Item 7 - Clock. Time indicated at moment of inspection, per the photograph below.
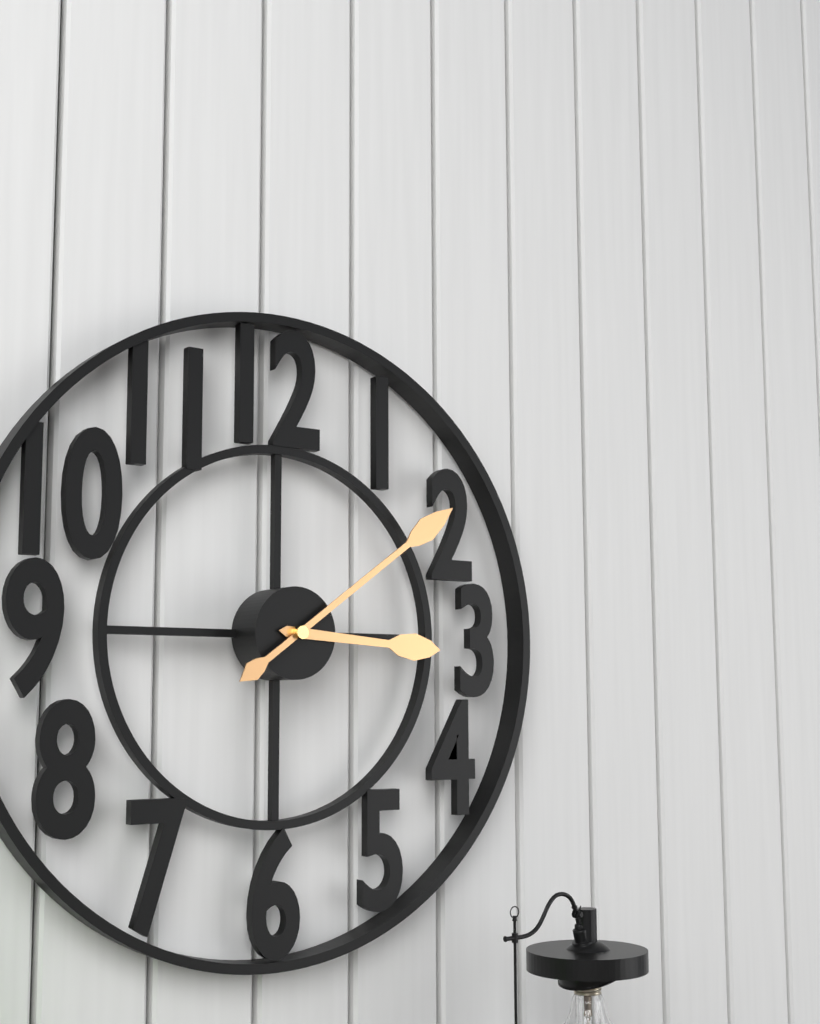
3:09
